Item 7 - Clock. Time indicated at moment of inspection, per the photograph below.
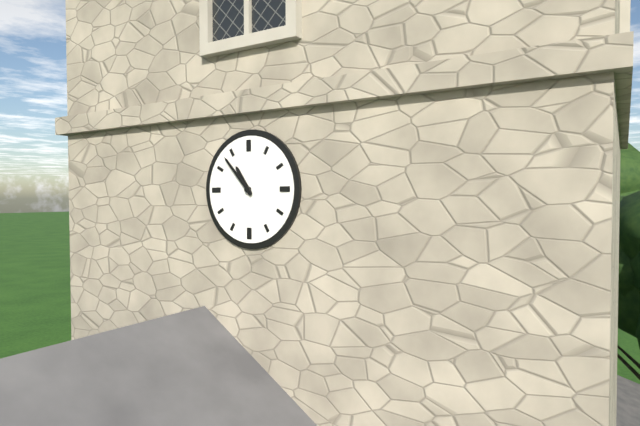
10:53
